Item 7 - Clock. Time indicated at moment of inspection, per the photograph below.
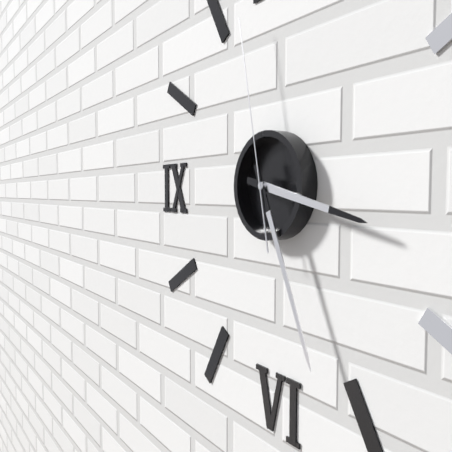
3:26:58
